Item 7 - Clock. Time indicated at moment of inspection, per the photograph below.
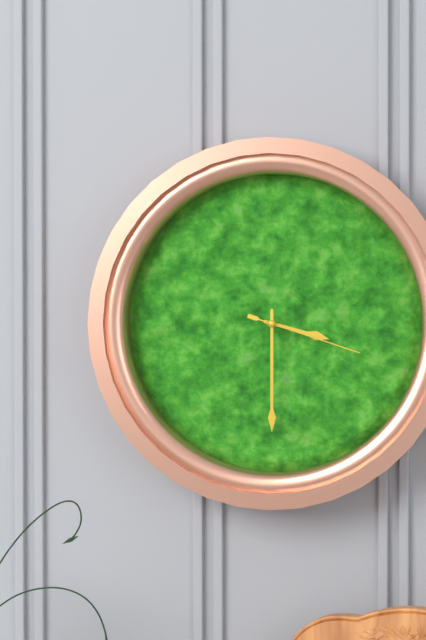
3:30:18
